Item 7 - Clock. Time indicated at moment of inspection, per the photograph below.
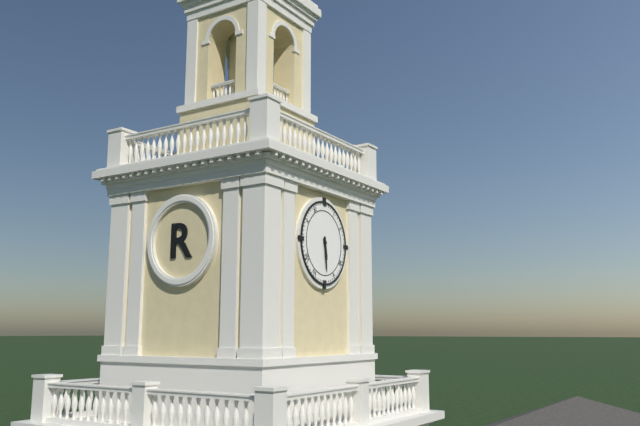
5:29
